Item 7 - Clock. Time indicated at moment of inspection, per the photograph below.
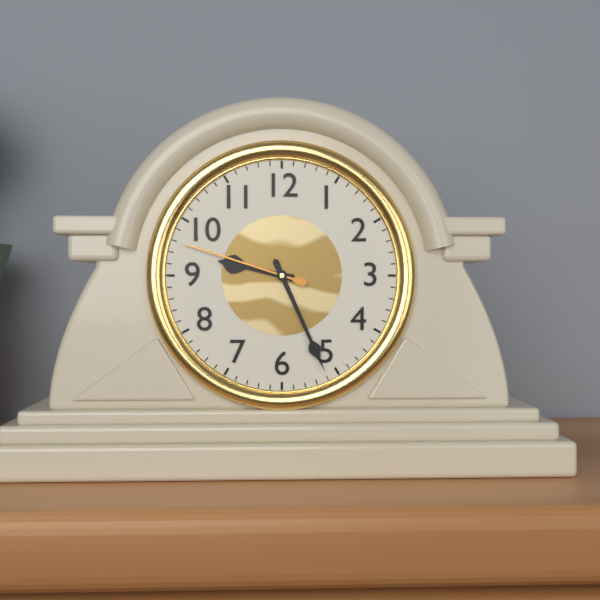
9:26:48
